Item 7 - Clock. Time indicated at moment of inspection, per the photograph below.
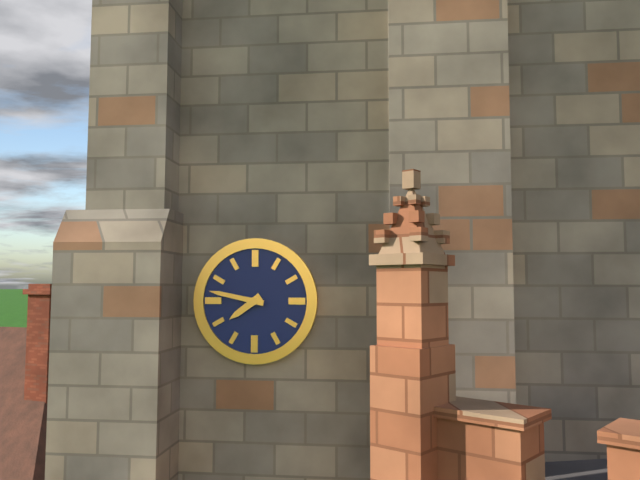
7:47
